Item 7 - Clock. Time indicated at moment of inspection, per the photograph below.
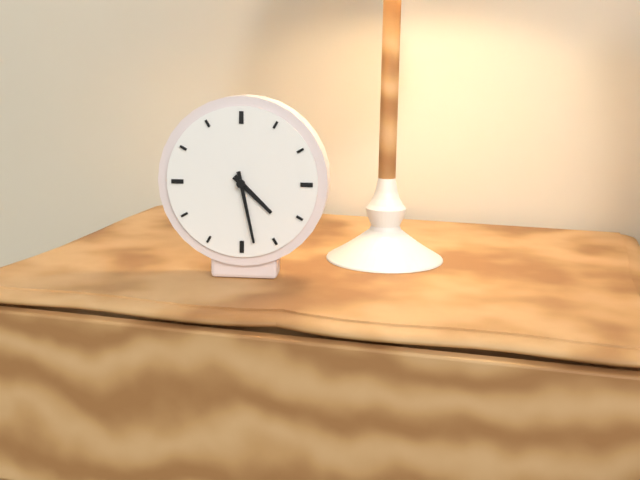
4:28
